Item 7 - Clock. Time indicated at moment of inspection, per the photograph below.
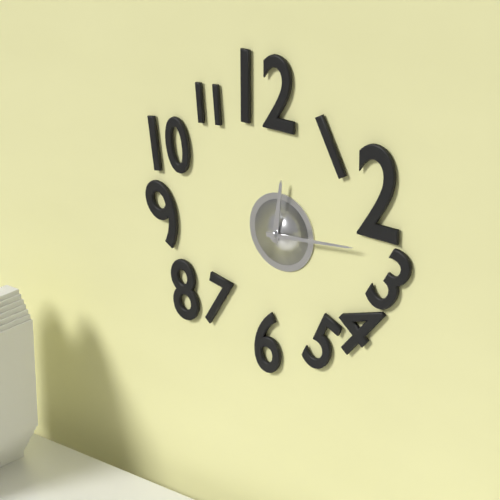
12:14
